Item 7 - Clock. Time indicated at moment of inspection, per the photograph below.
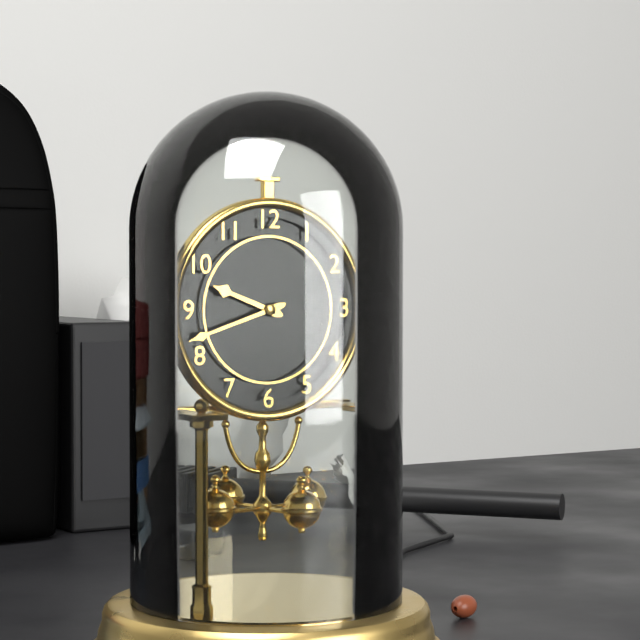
9:42
